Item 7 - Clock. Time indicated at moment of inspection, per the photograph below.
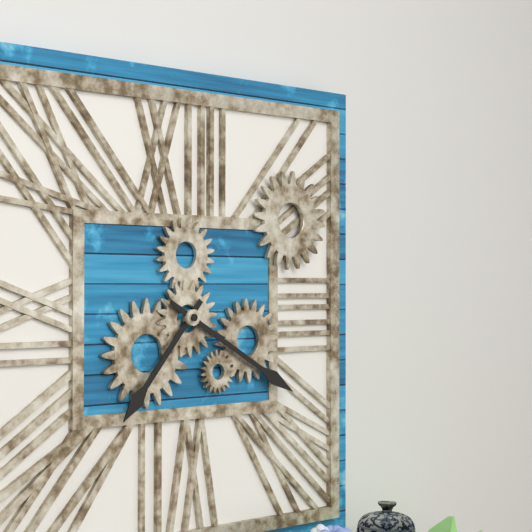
7:20
